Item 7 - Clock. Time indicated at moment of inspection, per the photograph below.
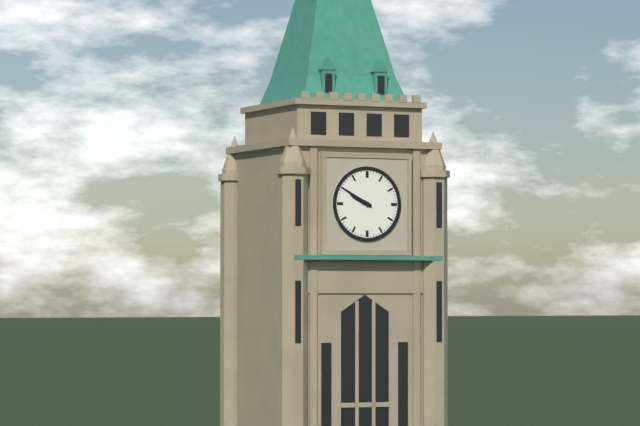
9:50
